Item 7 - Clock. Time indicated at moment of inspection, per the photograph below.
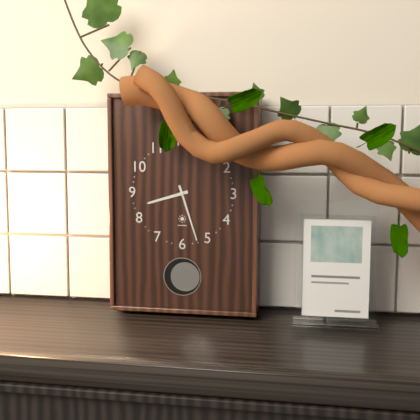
8:27
